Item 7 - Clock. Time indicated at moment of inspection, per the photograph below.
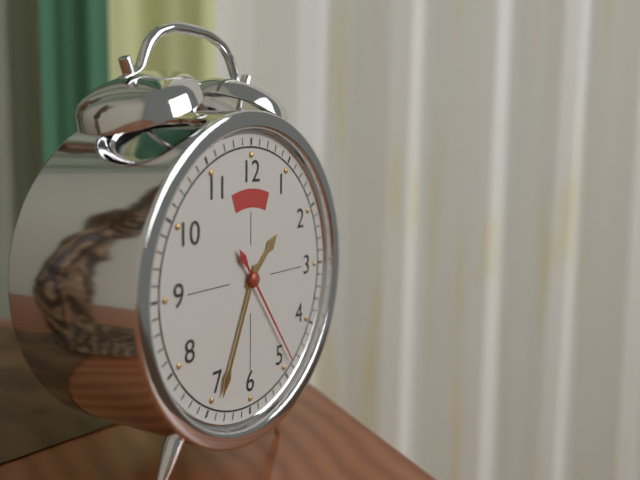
1:34:24
